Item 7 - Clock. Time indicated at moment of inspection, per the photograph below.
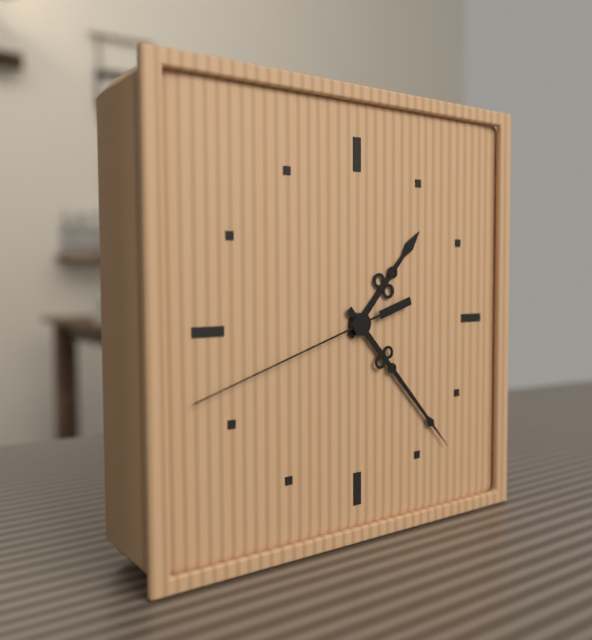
1:23:42
